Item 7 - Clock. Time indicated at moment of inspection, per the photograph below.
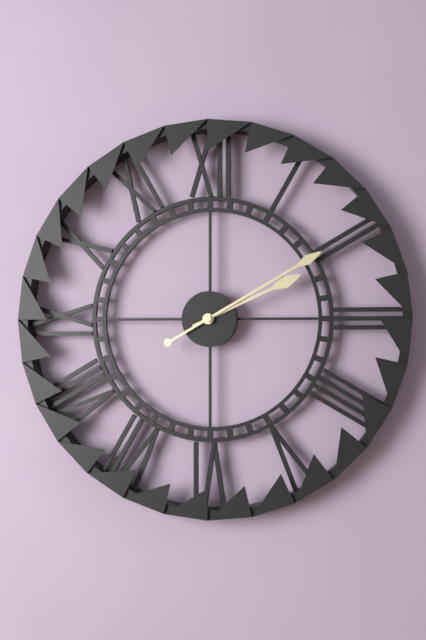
2:10
